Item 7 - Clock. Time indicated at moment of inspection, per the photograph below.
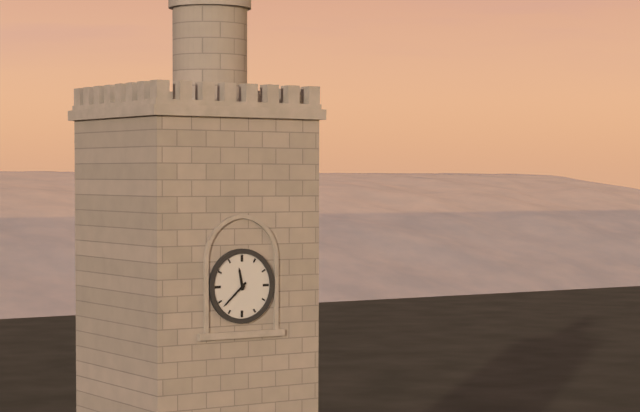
11:38
